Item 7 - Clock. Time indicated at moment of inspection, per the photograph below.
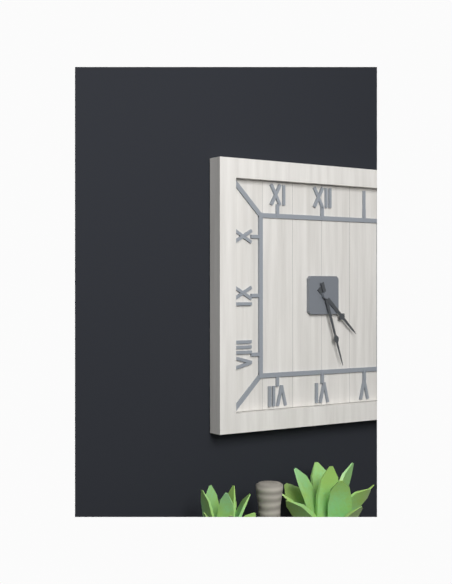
4:27
